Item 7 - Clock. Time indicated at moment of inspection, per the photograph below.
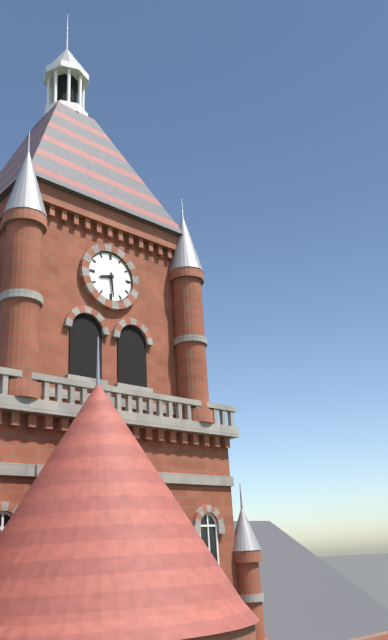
8:29
